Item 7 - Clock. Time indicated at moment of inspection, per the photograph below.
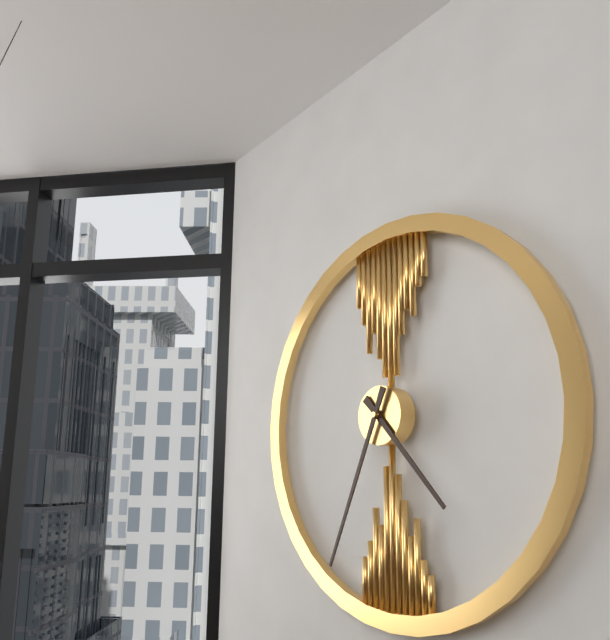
4:34
